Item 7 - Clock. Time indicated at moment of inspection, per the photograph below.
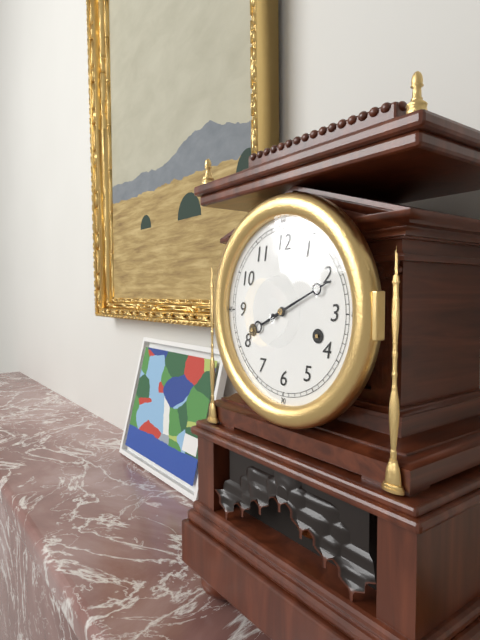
8:11
